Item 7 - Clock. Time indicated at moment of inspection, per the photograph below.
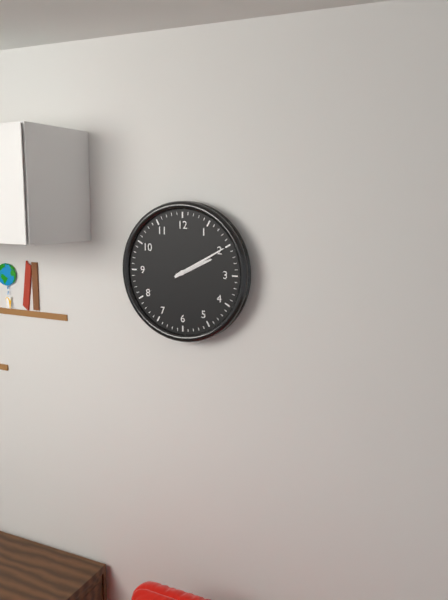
2:10
